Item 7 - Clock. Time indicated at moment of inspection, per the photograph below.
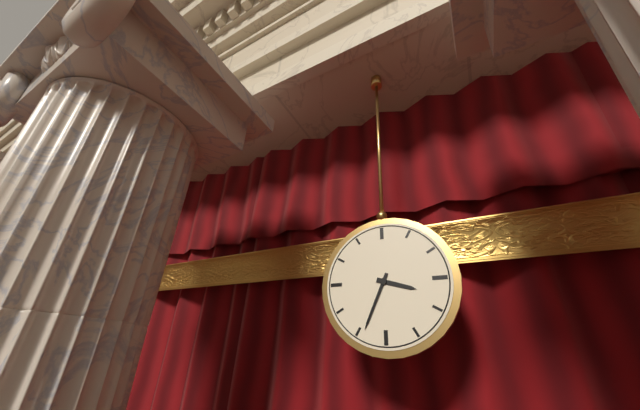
3:34
